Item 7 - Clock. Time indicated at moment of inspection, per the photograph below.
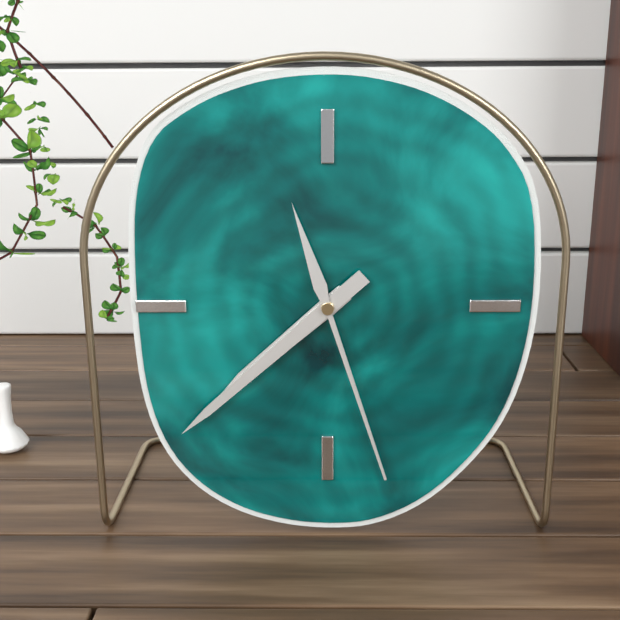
7:38:27
